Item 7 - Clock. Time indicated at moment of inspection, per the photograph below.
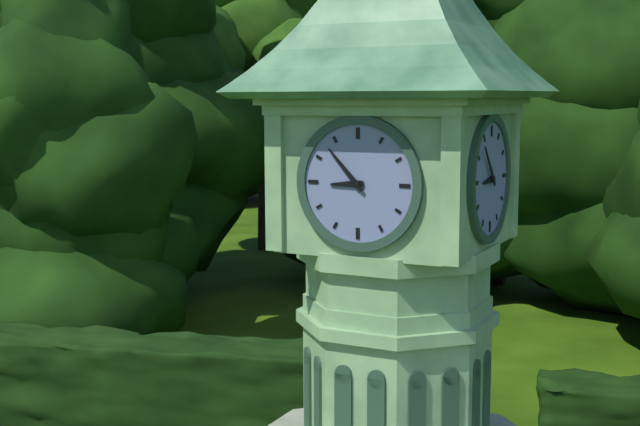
8:53
